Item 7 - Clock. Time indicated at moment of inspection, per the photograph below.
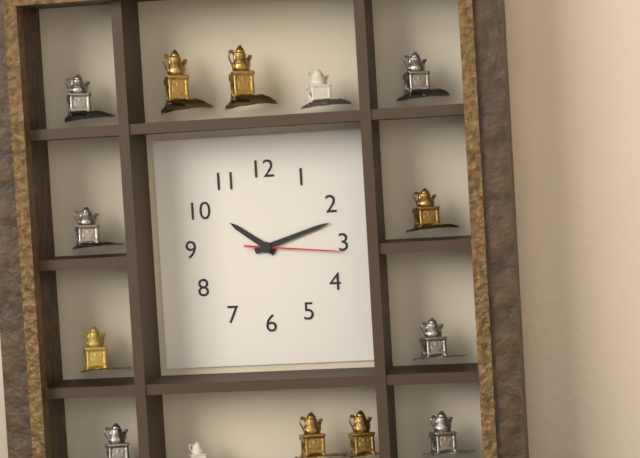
10:12:16
